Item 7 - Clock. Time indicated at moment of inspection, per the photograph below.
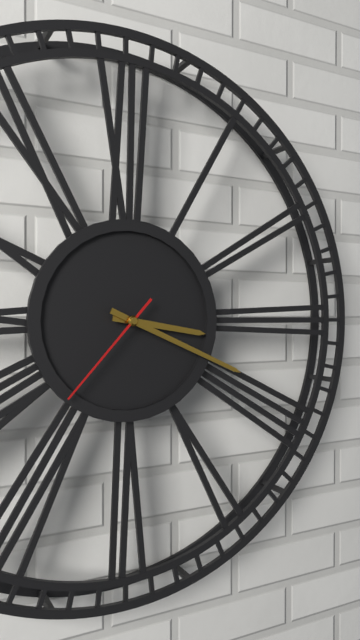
3:19:37
